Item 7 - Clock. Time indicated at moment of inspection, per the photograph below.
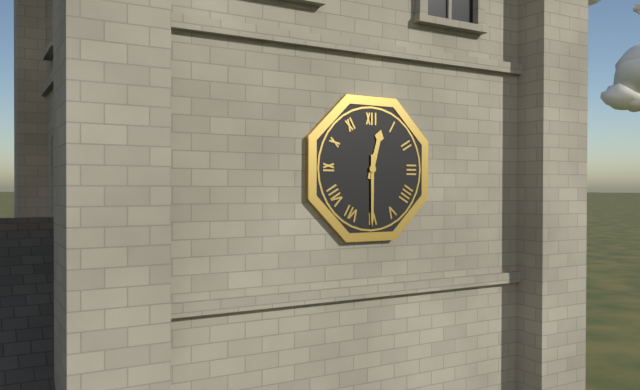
12:30
